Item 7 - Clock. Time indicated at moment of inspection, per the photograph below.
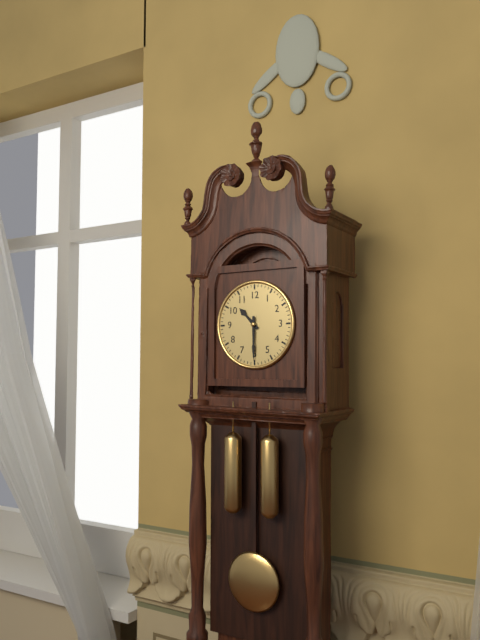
10:30
